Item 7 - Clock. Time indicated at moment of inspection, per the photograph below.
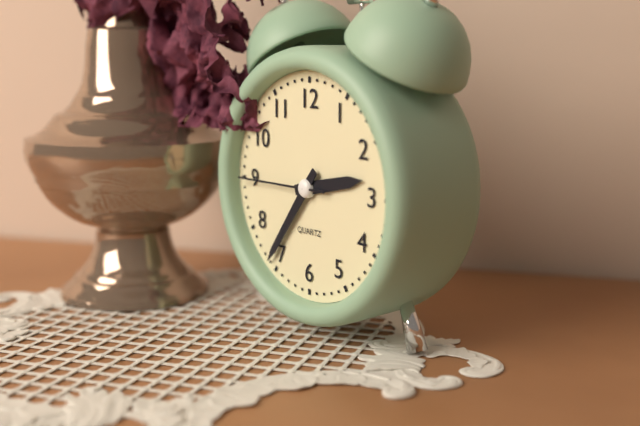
2:36:45
